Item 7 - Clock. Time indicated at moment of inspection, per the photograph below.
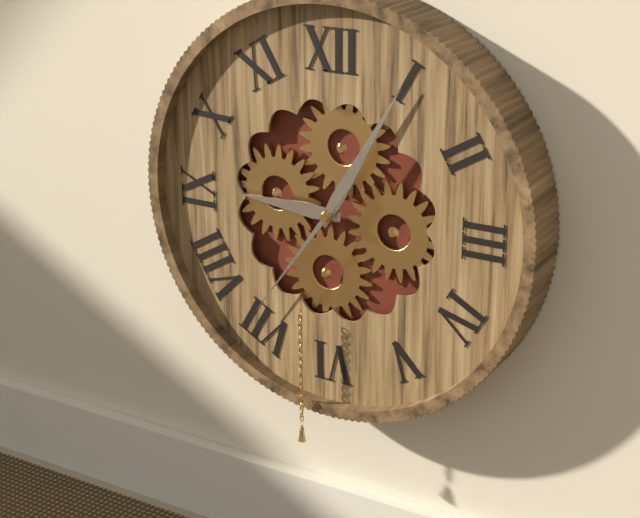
9:05:36
